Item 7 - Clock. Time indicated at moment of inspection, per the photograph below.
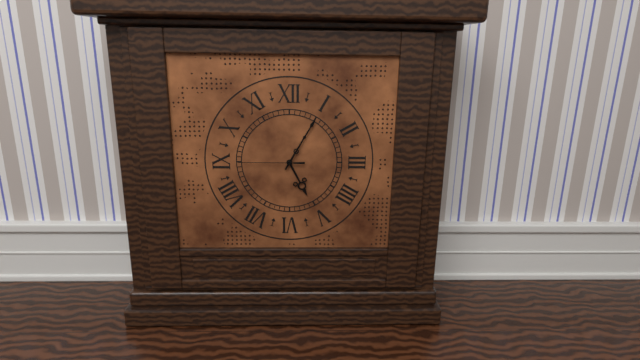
5:05:45
